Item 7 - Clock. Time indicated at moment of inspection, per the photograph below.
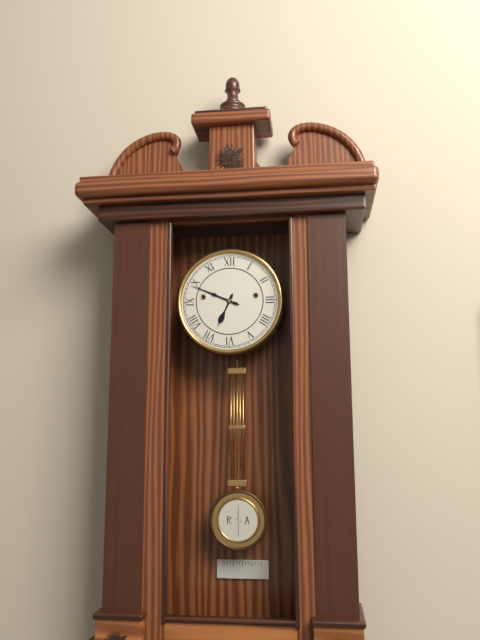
6:49
